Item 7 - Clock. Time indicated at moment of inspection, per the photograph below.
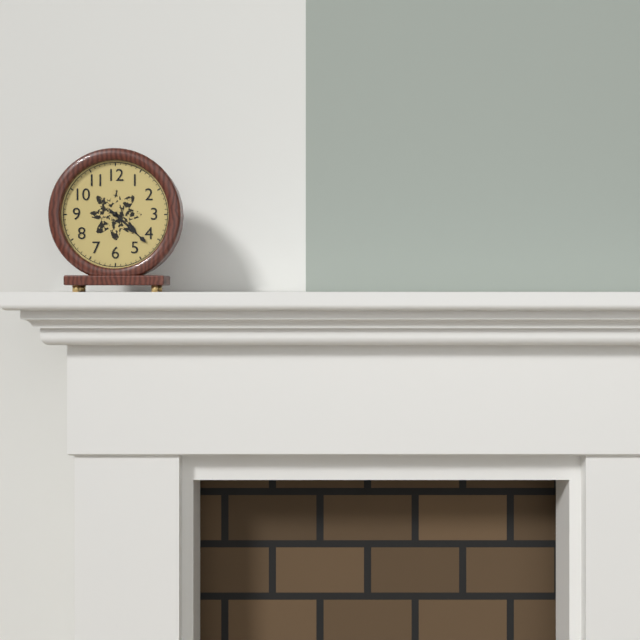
4:22
